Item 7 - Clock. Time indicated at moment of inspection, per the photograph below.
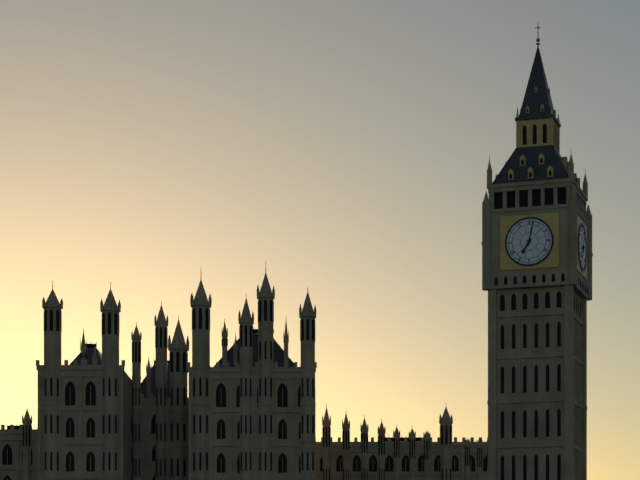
7:02
